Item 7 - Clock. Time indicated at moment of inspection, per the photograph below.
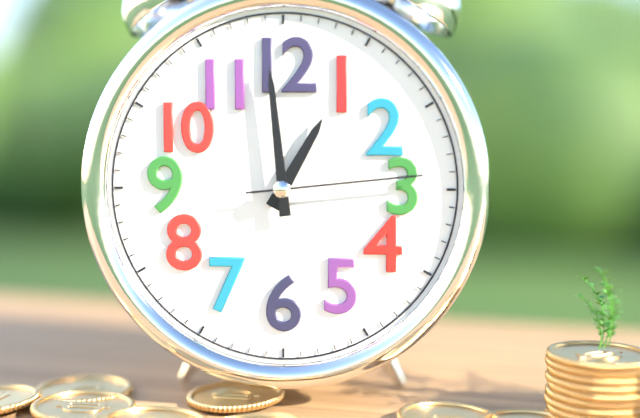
12:59:14
